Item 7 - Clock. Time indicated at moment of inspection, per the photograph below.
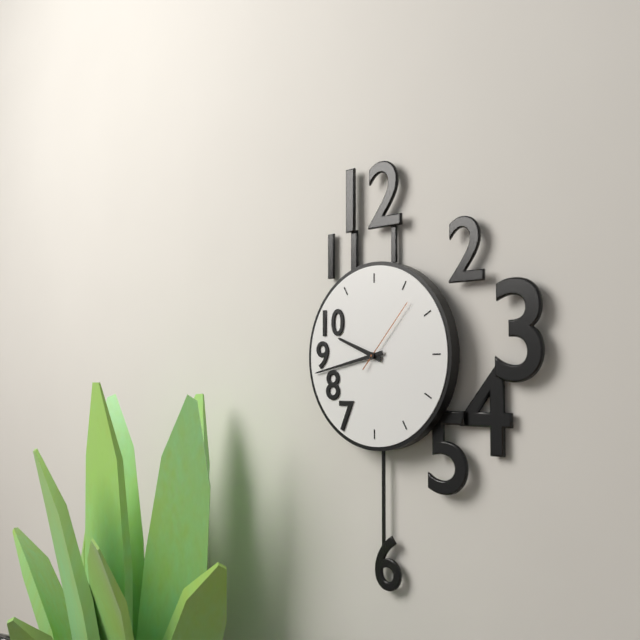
9:43:07
